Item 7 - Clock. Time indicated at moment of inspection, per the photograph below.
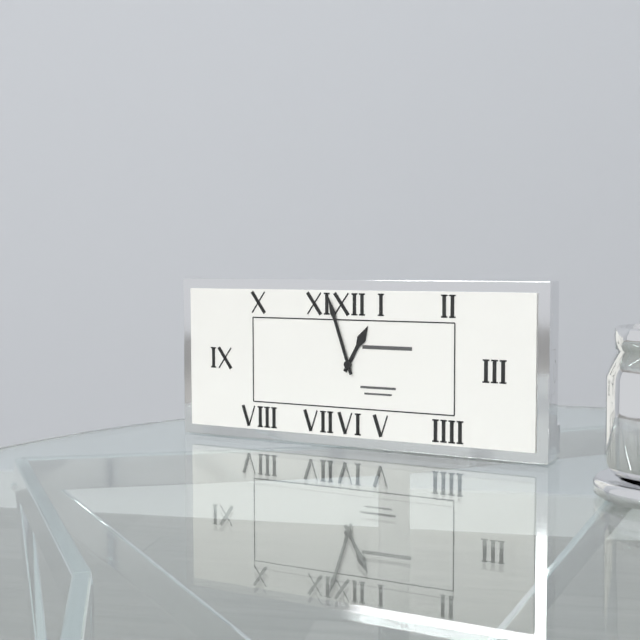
12:57
